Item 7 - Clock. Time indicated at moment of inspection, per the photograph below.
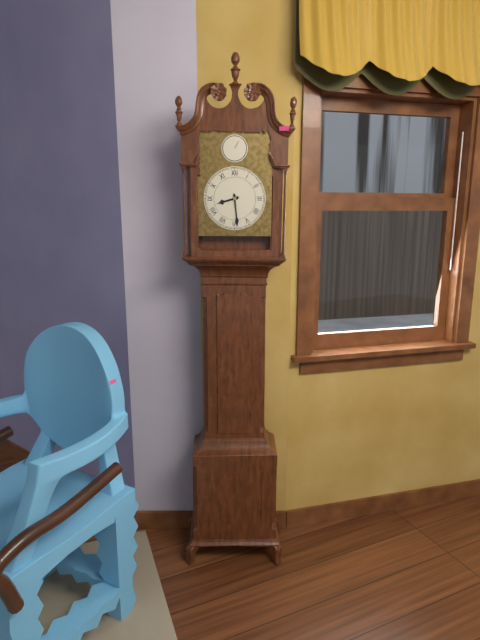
8:29
